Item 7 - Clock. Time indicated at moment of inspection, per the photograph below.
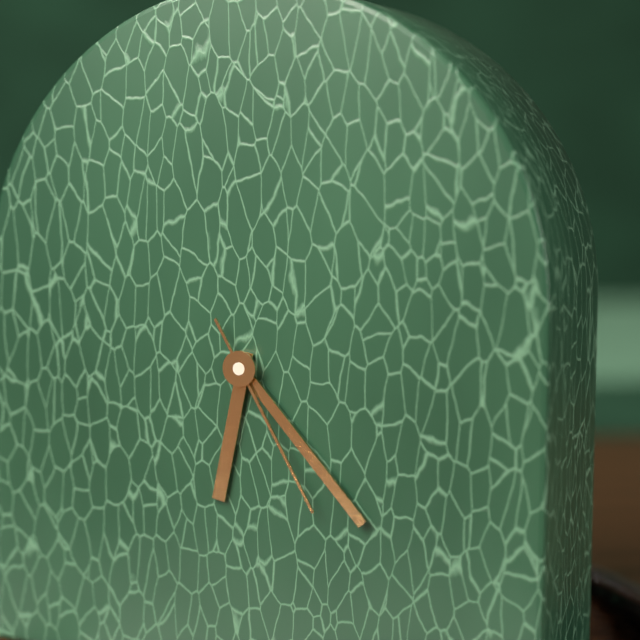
6:23:25
